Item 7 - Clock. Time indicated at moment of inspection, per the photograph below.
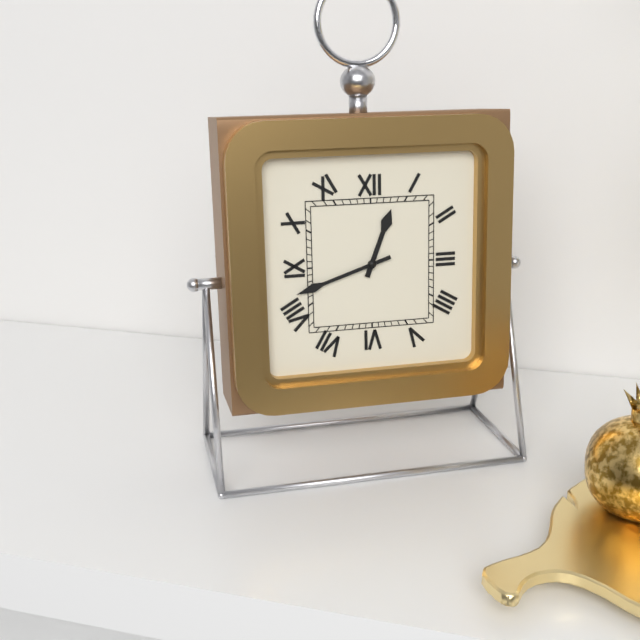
12:42
